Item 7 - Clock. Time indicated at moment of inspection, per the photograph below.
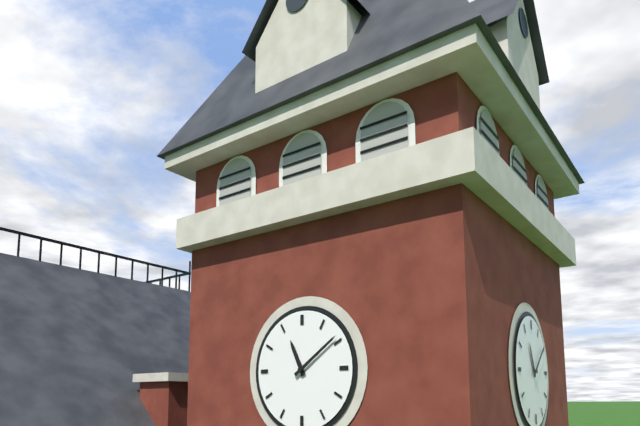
11:09
